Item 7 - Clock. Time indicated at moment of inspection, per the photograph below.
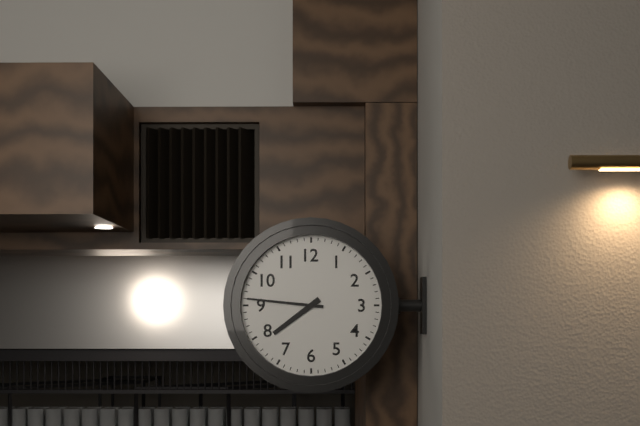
7:46
